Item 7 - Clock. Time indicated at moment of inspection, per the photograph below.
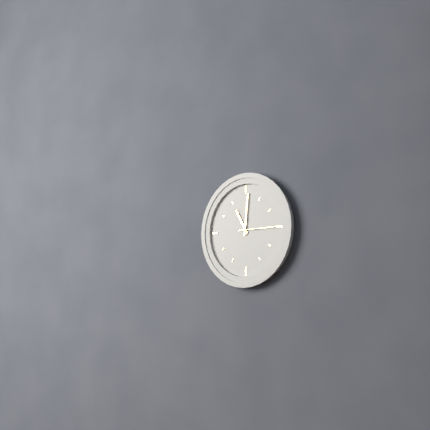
11:01
